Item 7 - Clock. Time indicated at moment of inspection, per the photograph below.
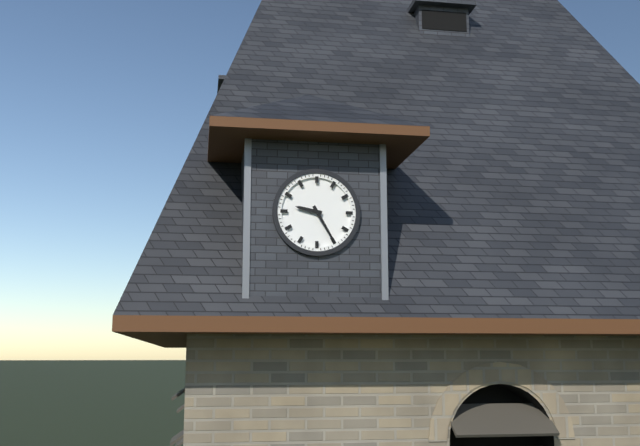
9:25
